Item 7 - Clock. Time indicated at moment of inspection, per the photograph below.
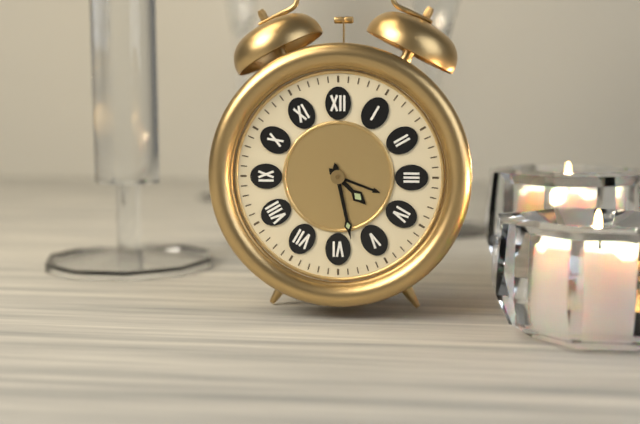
4:28
